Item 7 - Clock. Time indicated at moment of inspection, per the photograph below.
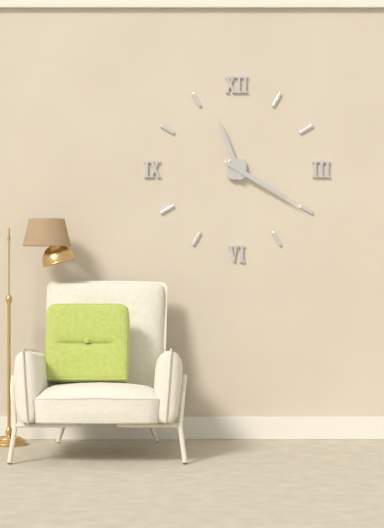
11:20
